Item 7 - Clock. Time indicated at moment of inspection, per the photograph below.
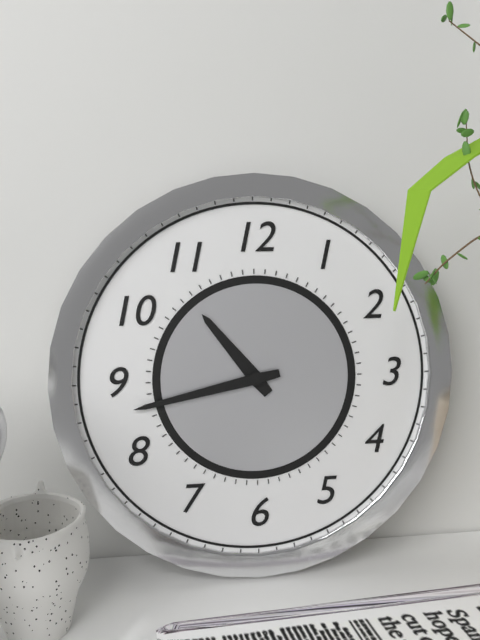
10:43
